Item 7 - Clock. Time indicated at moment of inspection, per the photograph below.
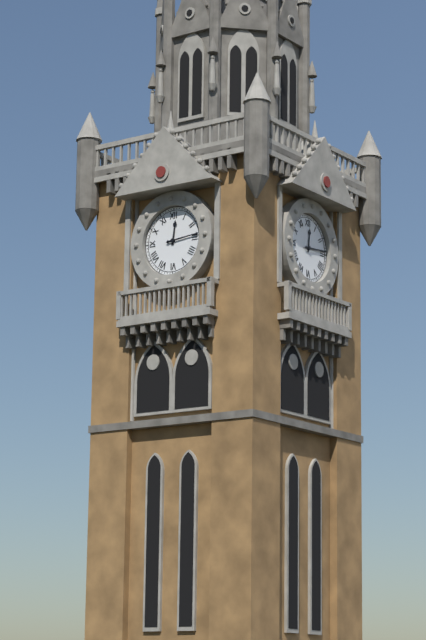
12:14
